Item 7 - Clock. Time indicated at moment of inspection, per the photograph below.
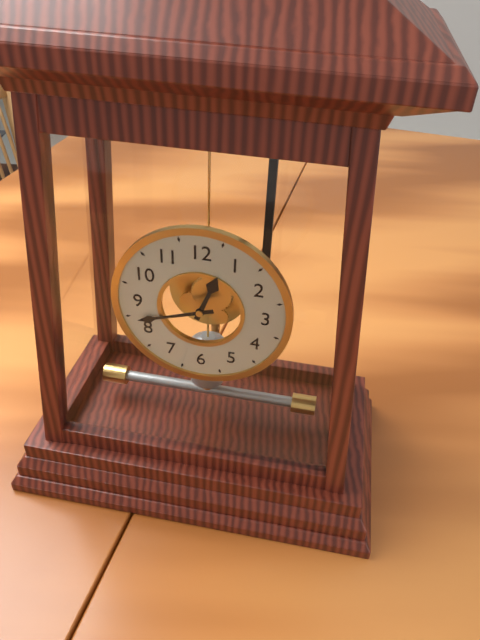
12:42
